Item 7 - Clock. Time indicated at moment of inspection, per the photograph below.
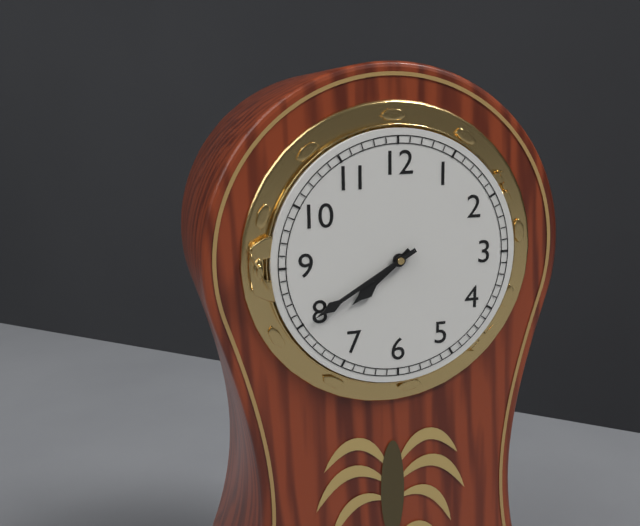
7:40
